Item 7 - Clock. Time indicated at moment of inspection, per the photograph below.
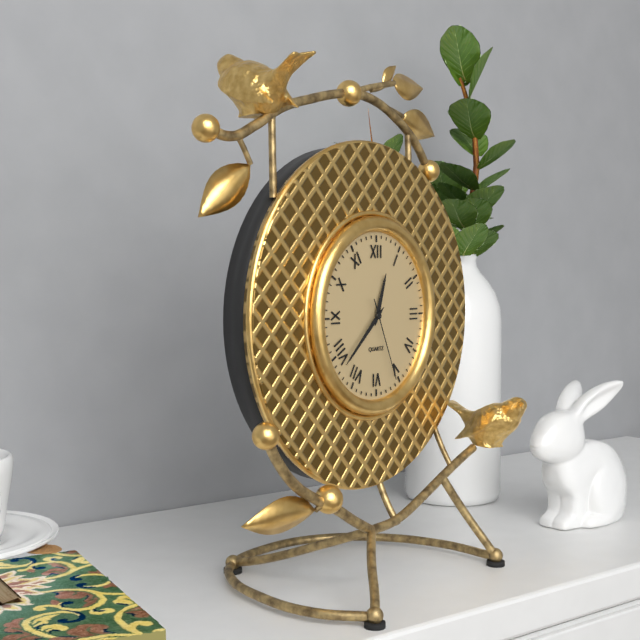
12:38:26
